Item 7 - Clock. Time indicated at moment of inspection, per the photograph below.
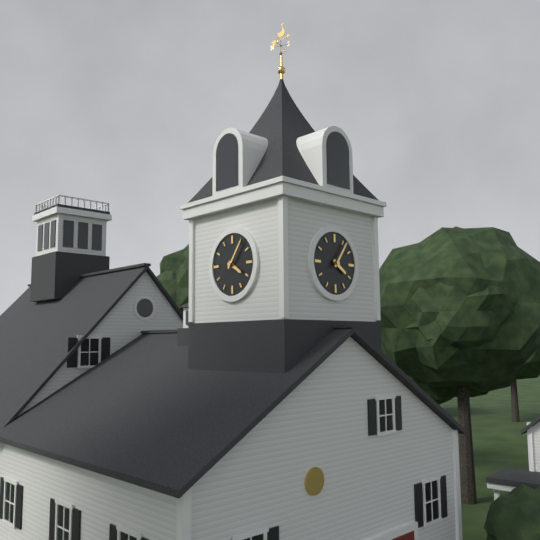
4:06
